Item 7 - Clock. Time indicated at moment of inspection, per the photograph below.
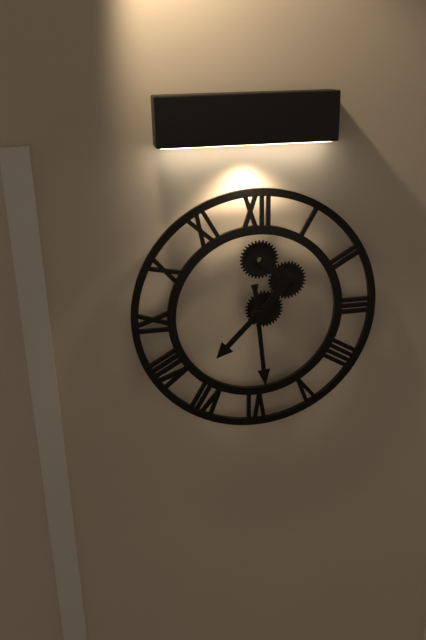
7:29
